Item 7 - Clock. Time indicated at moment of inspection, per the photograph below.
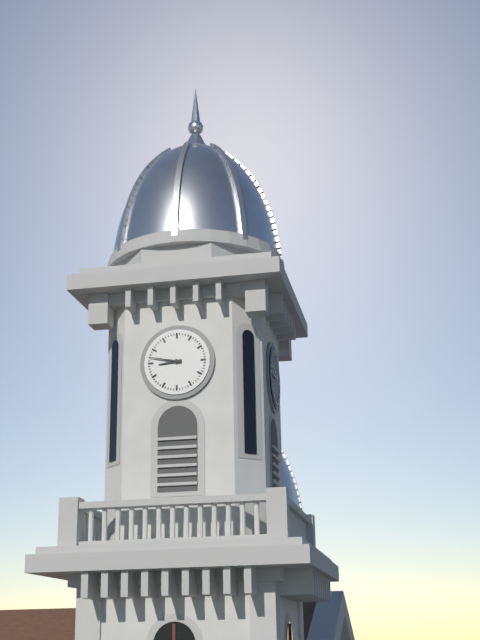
8:47
